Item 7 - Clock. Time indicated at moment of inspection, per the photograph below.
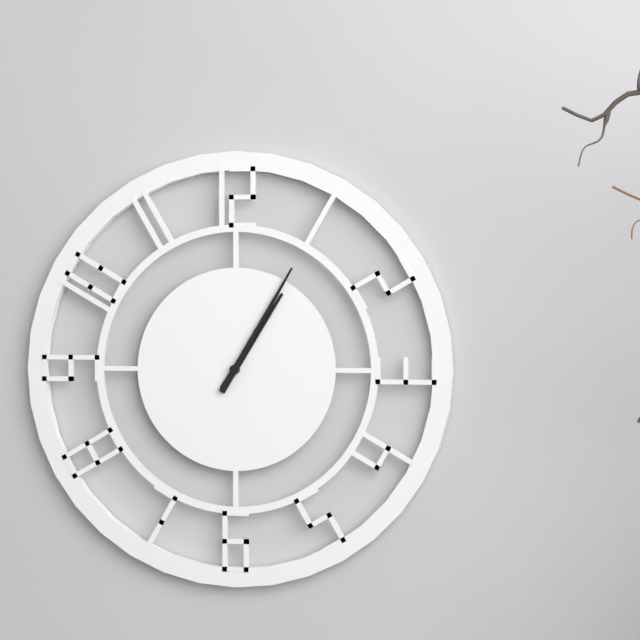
1:05
